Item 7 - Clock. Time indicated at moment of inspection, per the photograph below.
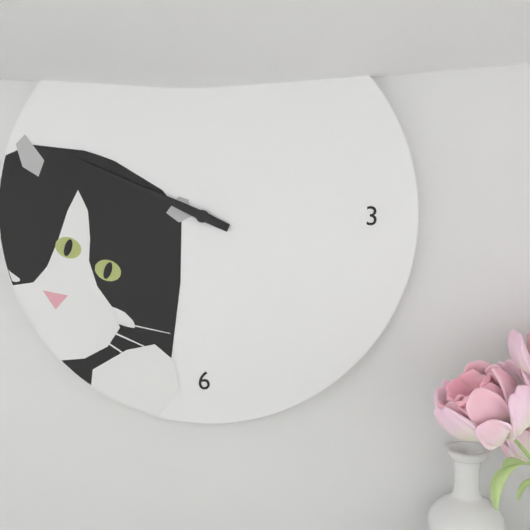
9:49
